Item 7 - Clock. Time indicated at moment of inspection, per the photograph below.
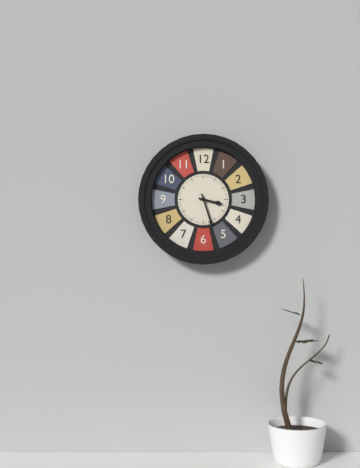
3:27
